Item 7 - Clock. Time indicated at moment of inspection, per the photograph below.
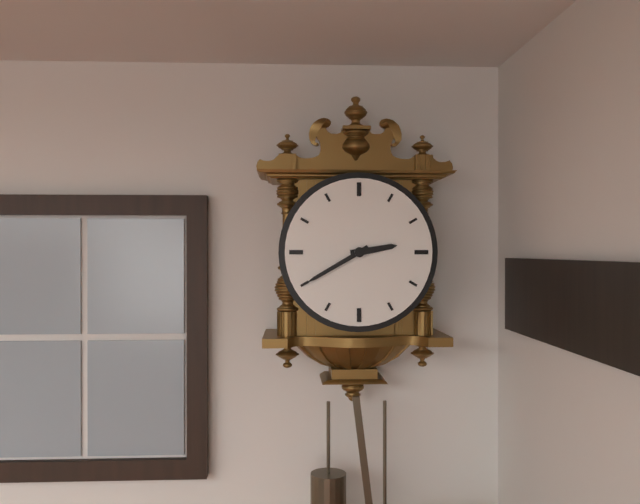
2:40
